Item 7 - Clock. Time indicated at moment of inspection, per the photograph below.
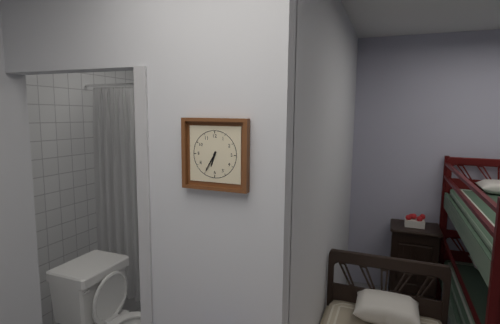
6:35
